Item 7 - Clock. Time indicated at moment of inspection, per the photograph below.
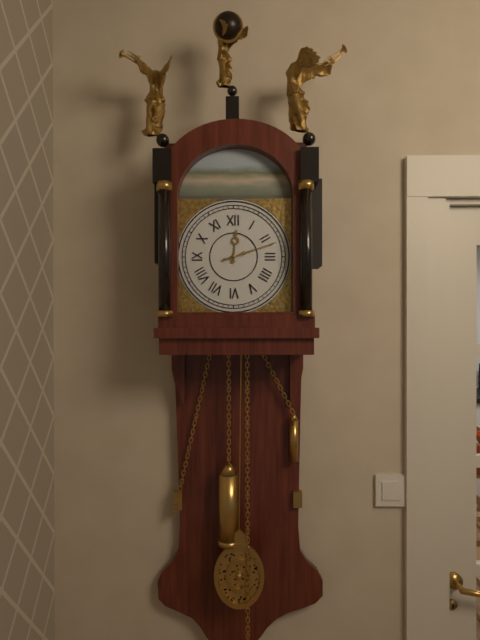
12:12
